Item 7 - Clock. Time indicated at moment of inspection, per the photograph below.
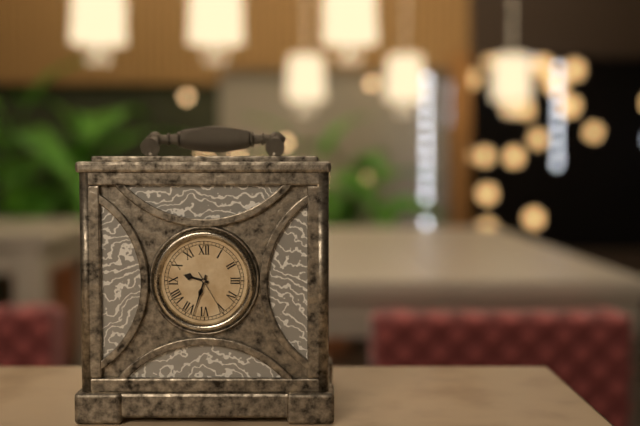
9:33
